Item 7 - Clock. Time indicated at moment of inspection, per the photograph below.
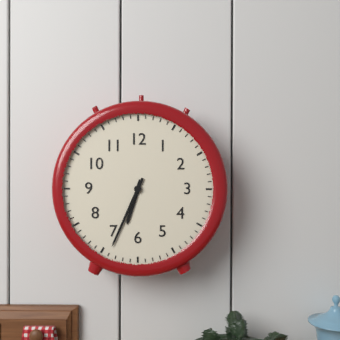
6:34
